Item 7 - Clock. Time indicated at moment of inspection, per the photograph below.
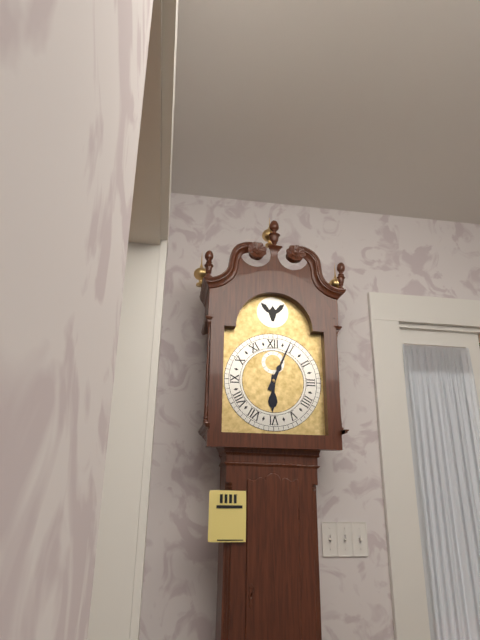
6:04
